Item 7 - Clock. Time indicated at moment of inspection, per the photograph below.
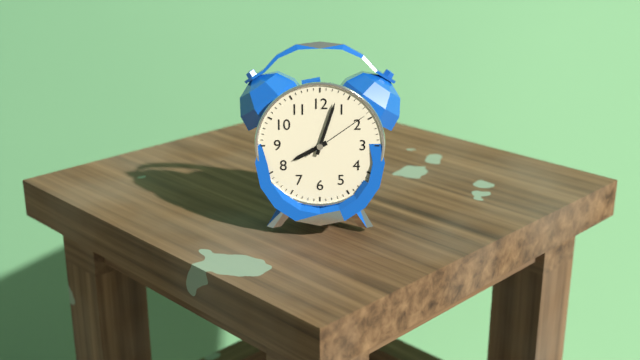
8:03:09
